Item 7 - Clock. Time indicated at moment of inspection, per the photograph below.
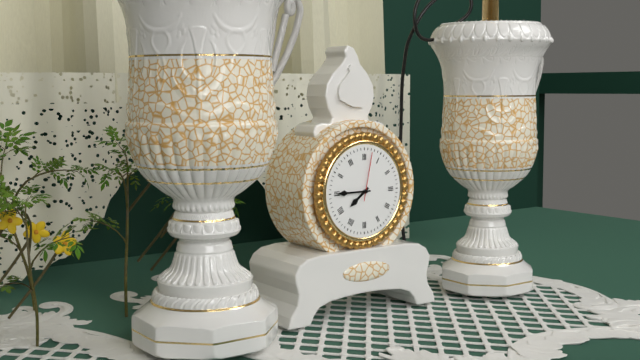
7:45:02
